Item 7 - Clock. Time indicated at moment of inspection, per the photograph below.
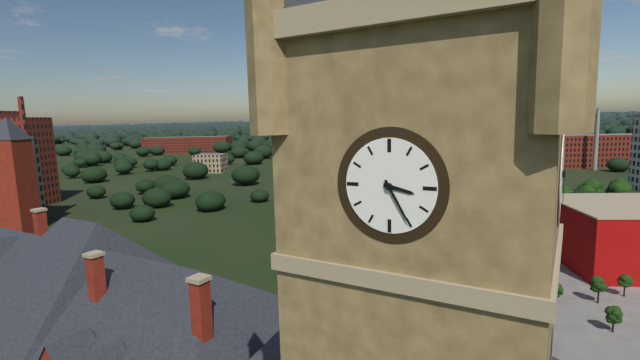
3:25
